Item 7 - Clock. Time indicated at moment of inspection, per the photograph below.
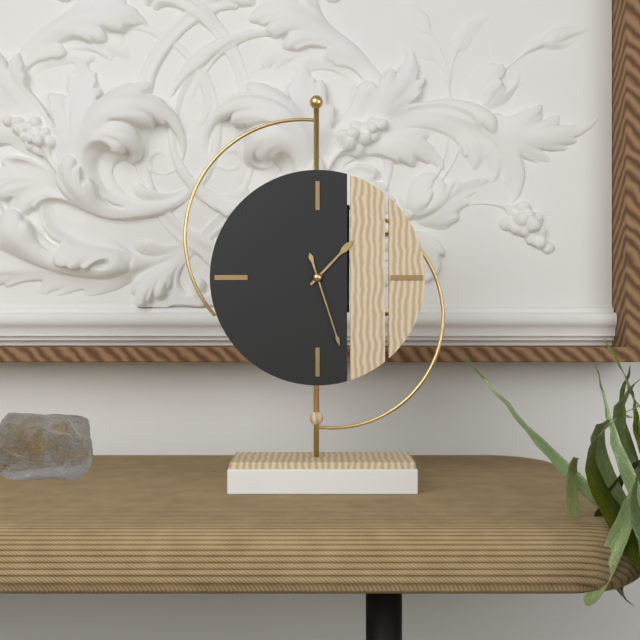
1:27
